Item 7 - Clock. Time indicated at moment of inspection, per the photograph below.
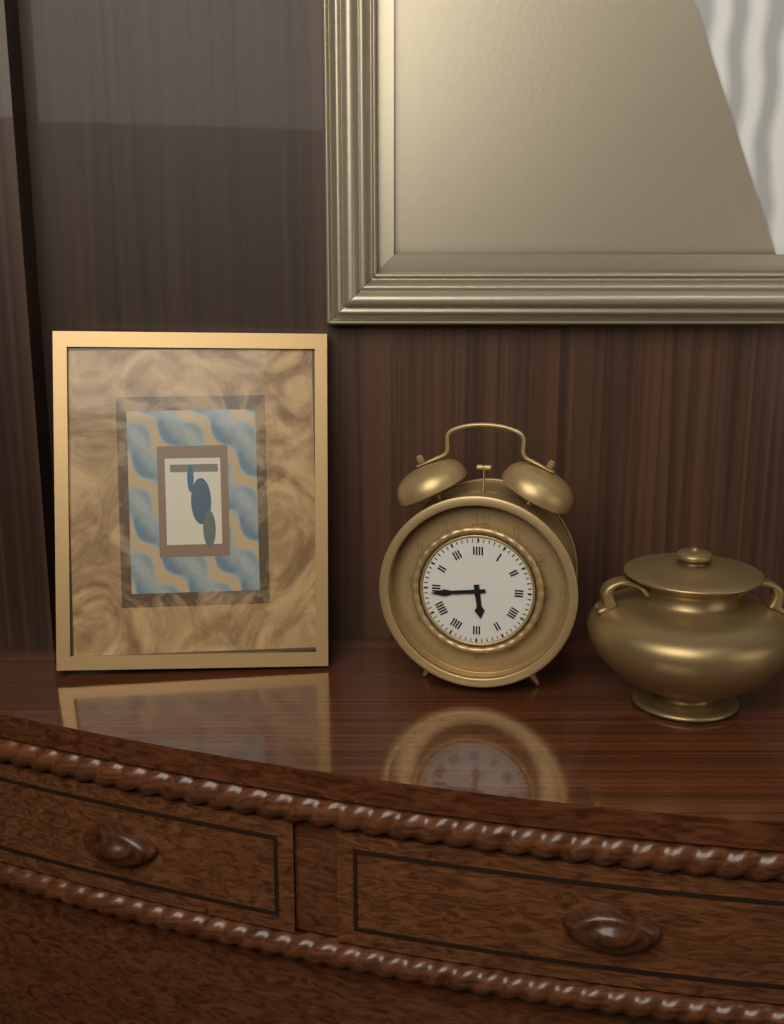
5:44
